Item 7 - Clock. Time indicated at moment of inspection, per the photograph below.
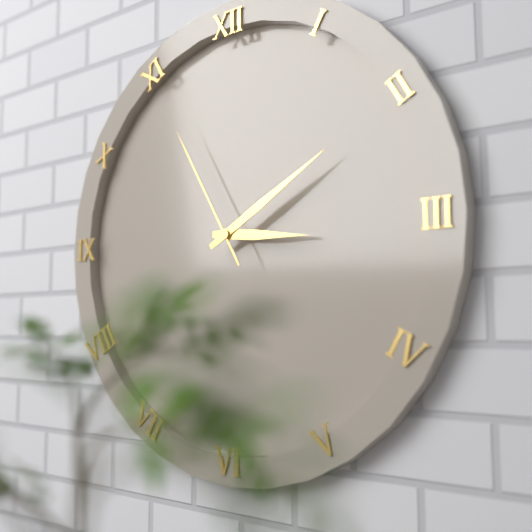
3:10:55
